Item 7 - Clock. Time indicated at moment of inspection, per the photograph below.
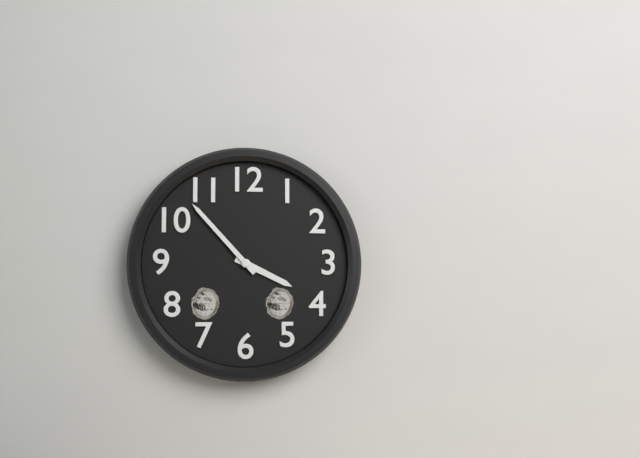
3:53
